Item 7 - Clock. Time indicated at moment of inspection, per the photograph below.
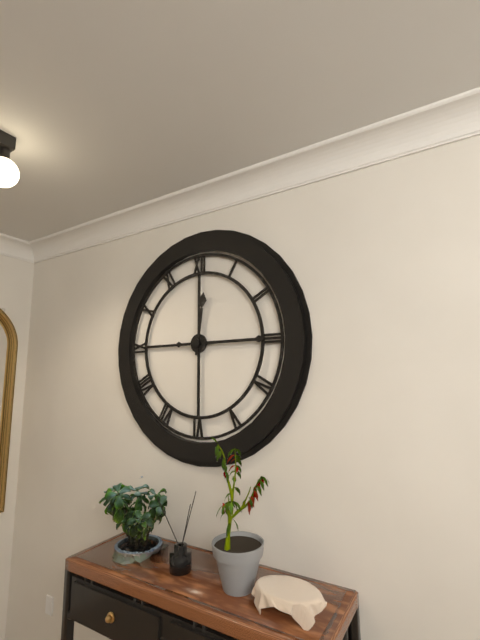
12:15
